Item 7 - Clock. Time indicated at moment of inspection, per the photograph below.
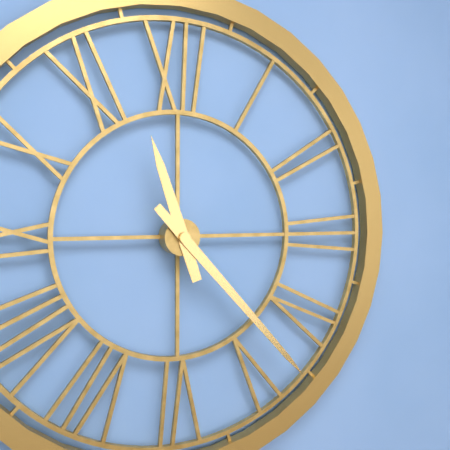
11:23
